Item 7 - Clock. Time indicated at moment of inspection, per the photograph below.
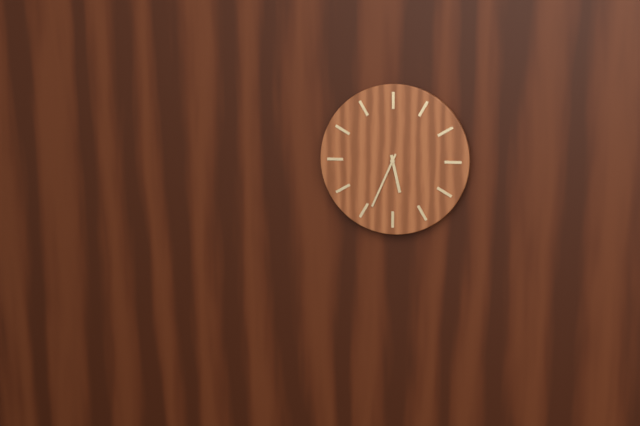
5:34
